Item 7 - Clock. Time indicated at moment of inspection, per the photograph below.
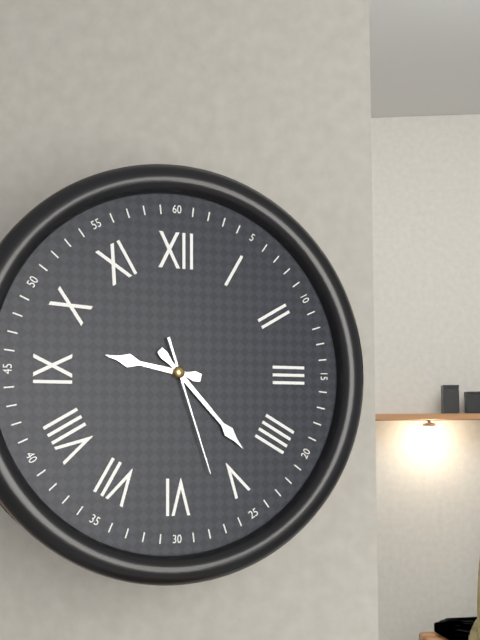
9:23:27
